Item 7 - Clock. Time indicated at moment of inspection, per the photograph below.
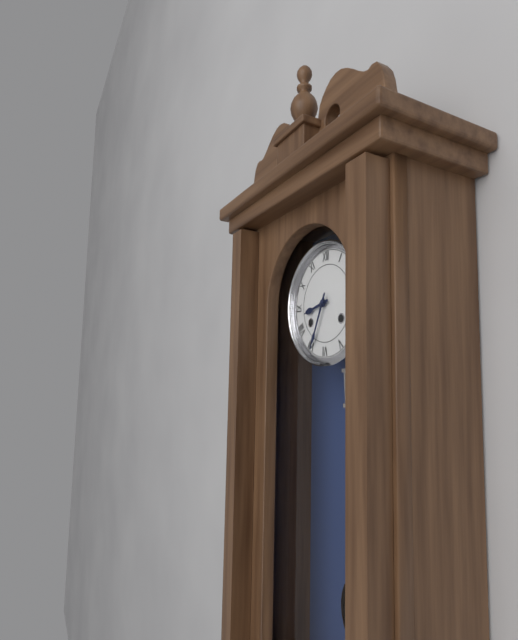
8:34
